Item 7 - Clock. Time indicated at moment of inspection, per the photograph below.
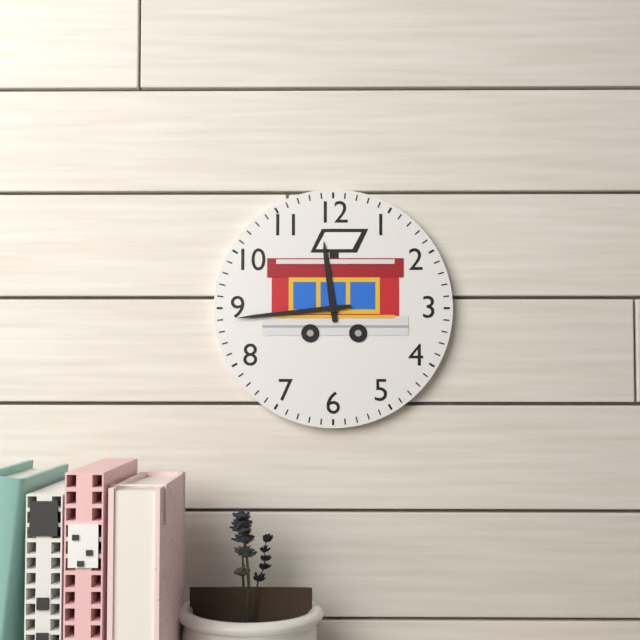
11:44
